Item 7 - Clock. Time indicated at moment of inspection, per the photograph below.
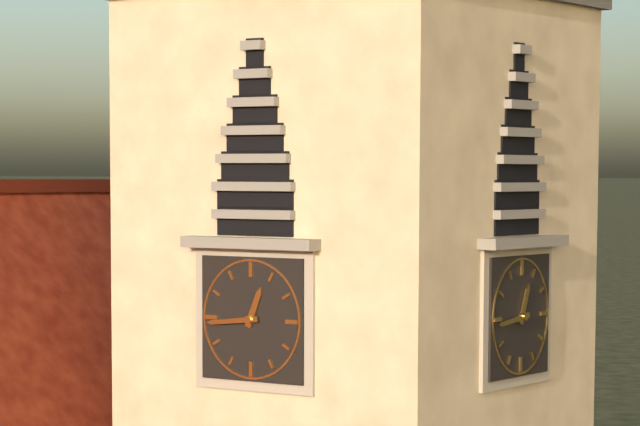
12:44
